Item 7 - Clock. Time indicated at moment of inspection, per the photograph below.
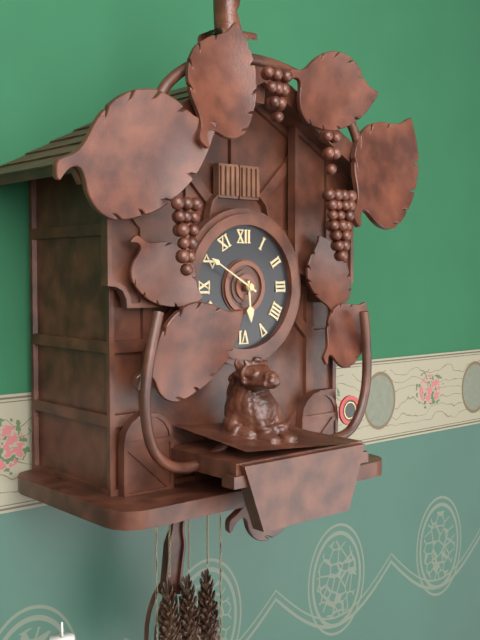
5:50
